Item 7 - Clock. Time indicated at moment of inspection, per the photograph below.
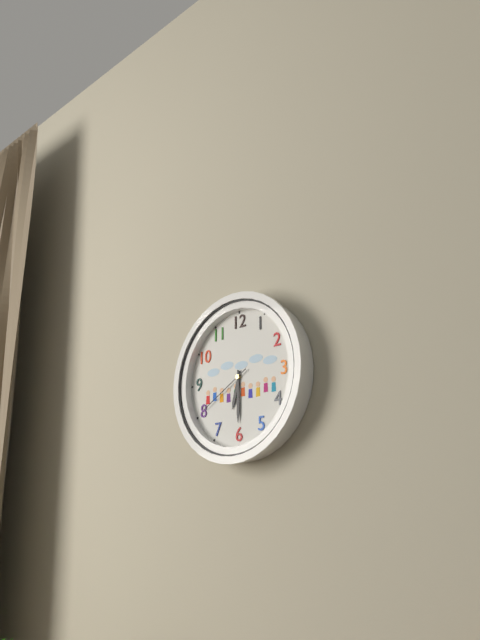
6:30:40
